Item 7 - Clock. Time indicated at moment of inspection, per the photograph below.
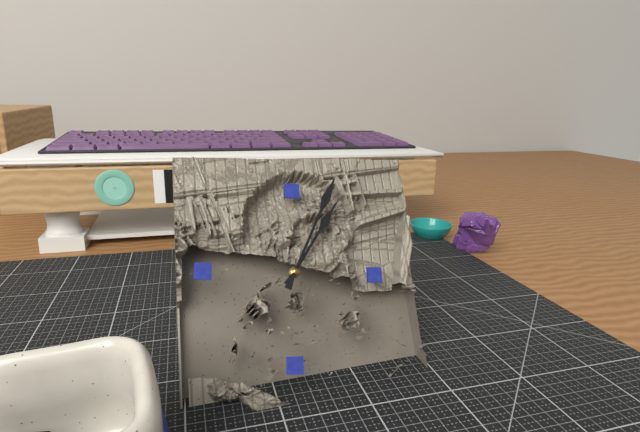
1:04
